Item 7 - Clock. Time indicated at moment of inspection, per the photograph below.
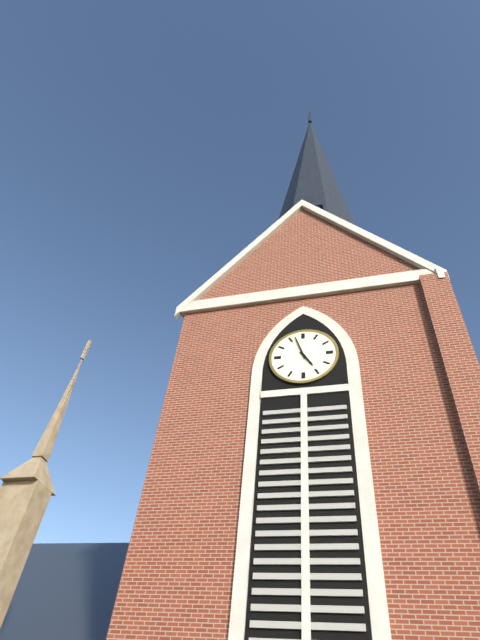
4:57
